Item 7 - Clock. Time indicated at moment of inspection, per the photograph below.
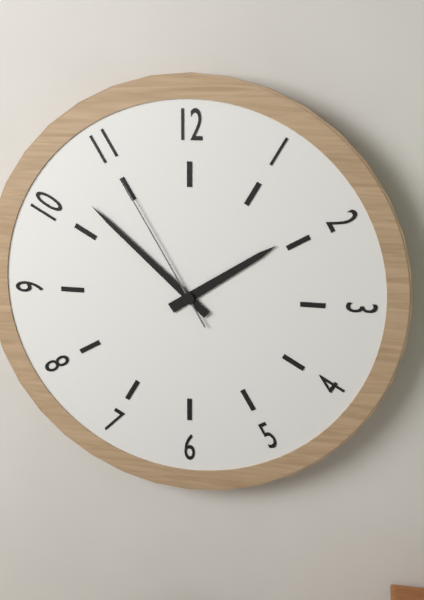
1:52:55
